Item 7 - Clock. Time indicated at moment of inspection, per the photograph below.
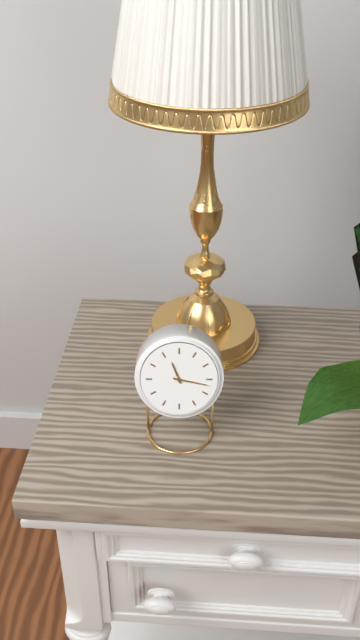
11:17
